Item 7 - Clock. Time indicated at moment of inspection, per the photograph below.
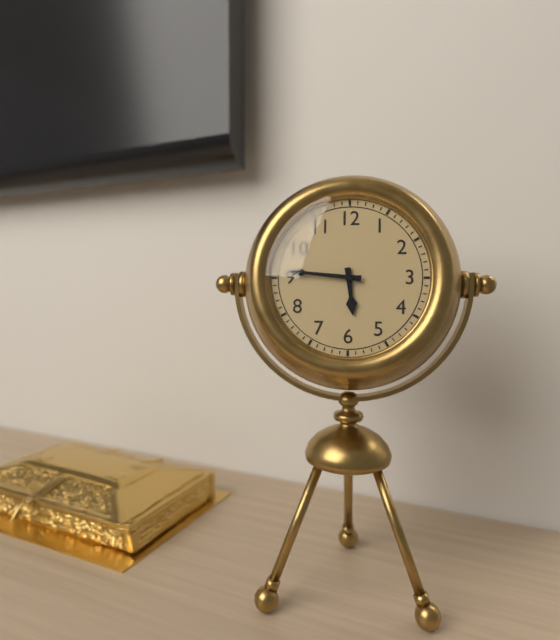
5:46
